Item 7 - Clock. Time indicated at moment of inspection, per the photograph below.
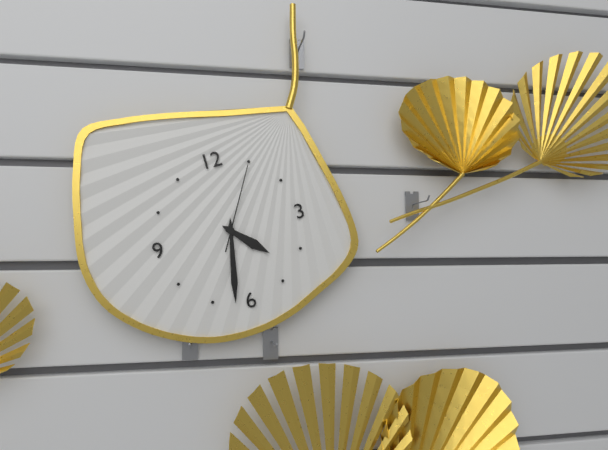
4:32:05
